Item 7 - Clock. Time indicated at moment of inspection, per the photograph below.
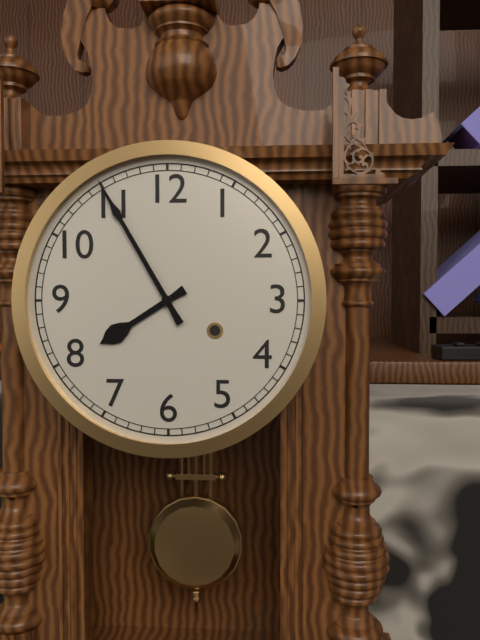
7:55
